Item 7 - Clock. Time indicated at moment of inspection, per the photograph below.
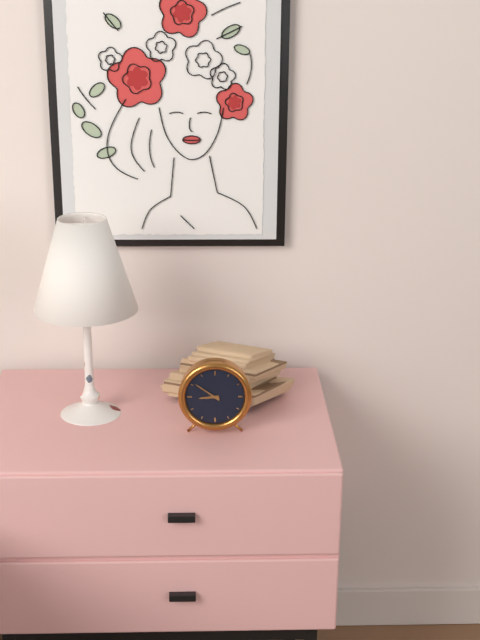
8:51
